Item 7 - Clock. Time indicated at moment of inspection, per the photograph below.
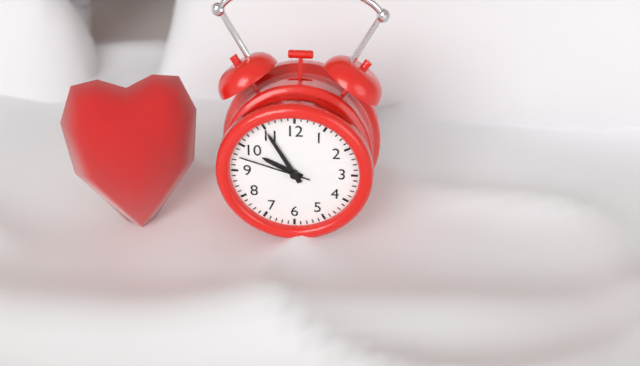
9:55:48
